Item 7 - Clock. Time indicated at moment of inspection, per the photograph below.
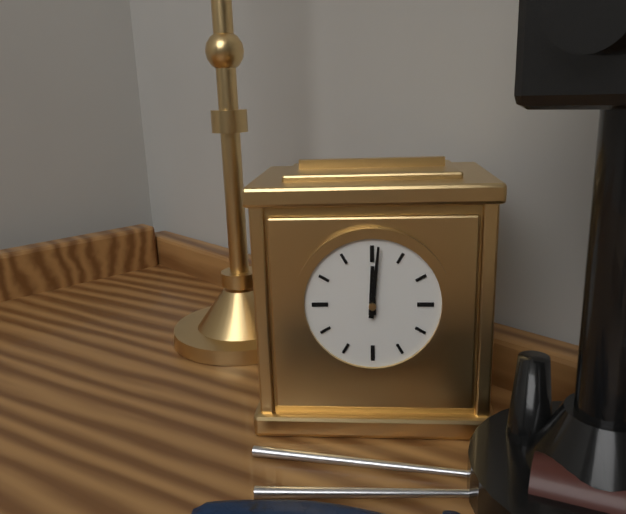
12:01
